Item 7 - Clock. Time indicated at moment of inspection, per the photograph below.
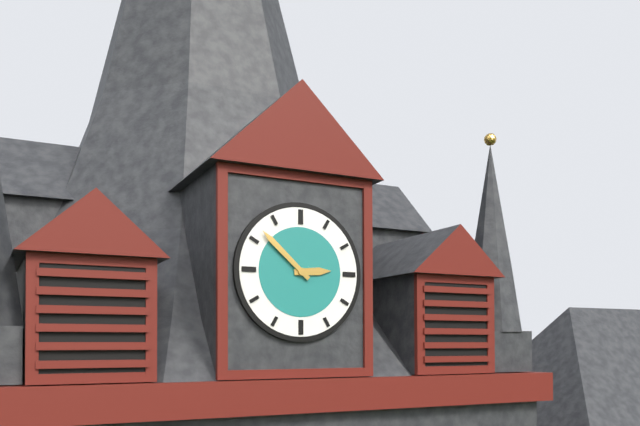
2:52
